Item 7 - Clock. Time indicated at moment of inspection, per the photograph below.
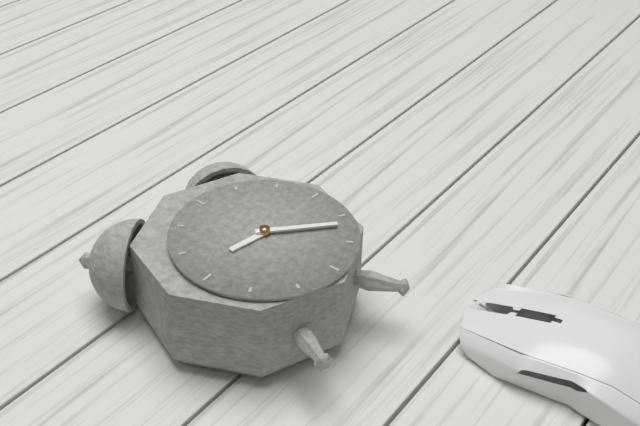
9:22
